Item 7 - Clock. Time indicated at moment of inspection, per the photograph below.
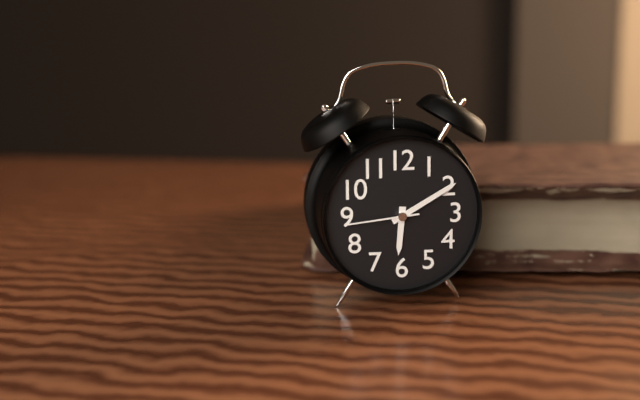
6:10:44
